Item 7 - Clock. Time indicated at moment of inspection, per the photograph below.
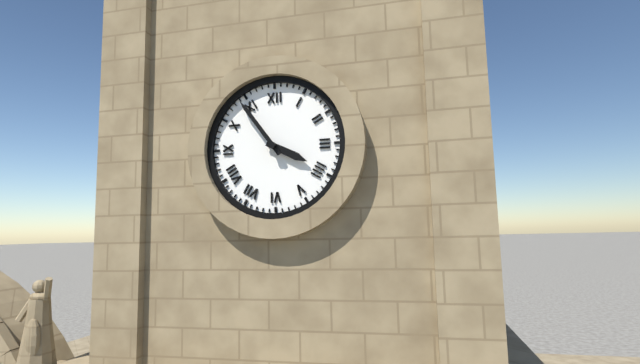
3:54
